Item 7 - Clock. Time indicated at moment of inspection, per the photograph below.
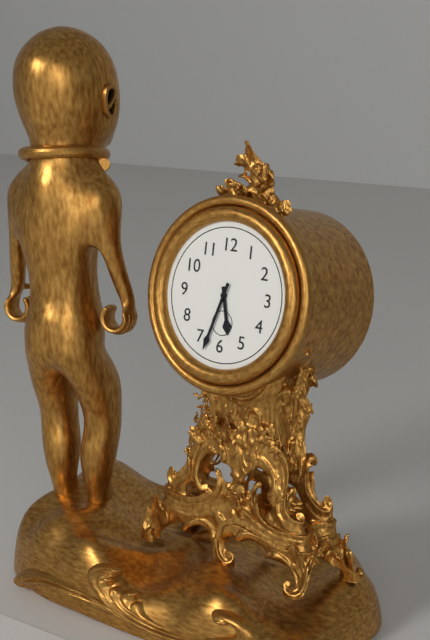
5:33
